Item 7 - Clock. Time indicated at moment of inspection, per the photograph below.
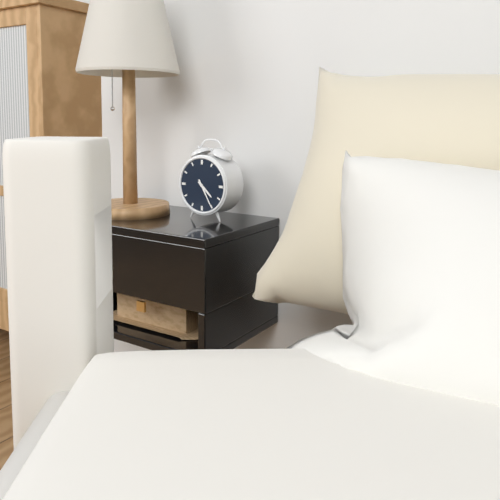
4:25
